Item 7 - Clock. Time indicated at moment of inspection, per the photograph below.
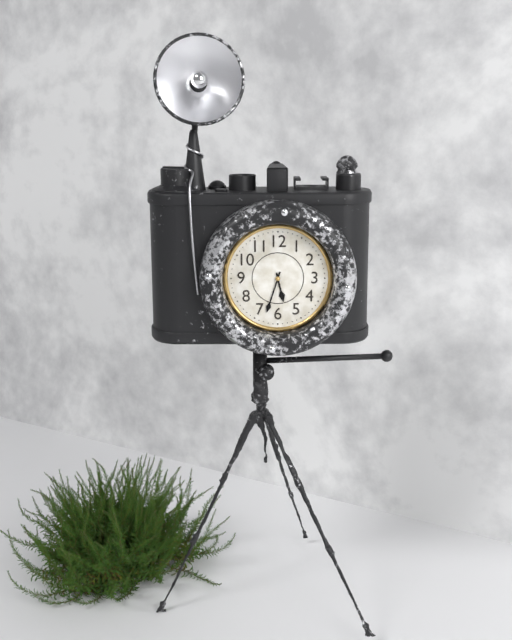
5:33
